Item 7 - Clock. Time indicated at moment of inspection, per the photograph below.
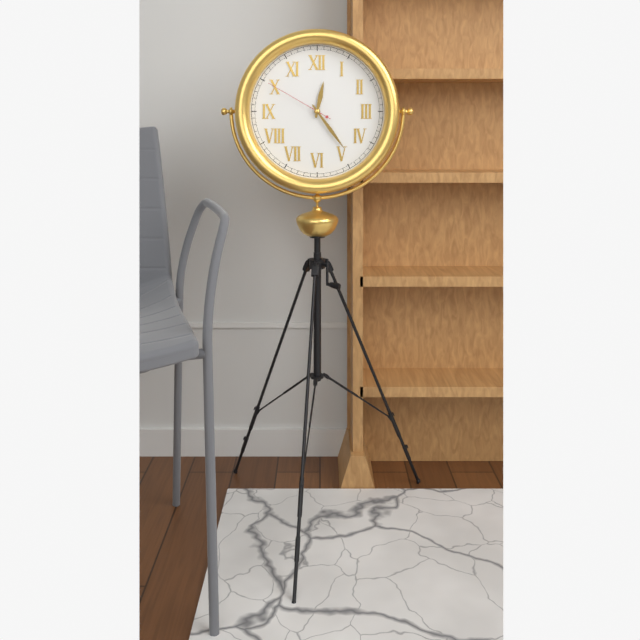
12:24:50
